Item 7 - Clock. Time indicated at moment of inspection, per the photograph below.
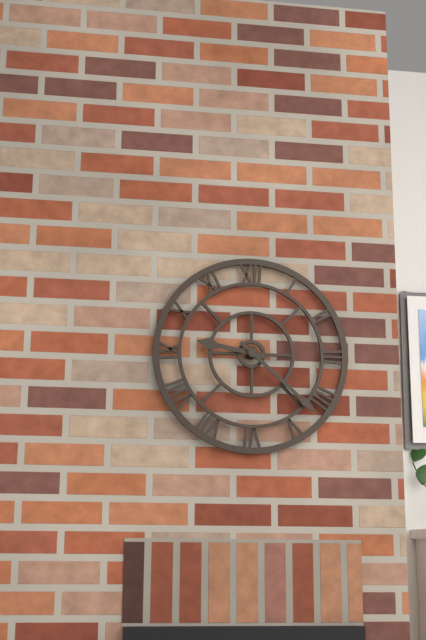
9:22
